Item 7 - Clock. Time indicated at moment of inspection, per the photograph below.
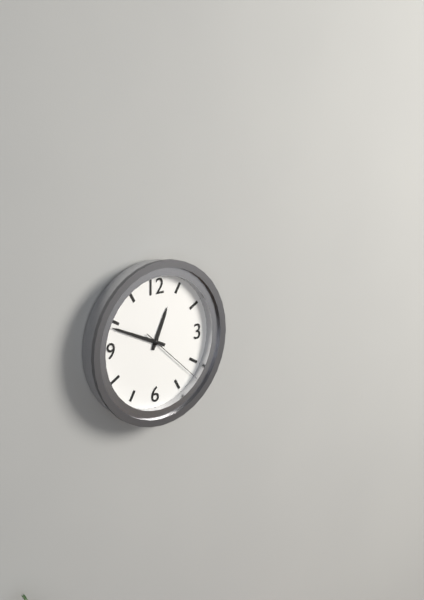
12:49:22
